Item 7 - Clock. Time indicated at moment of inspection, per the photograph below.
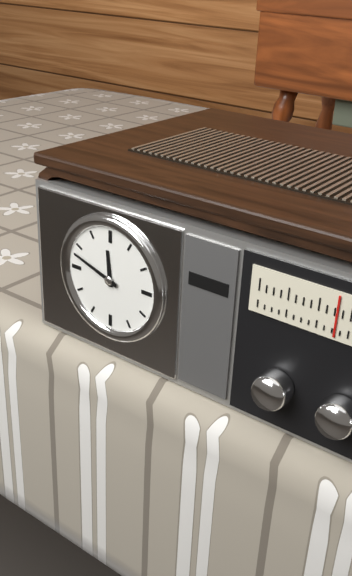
11:48
